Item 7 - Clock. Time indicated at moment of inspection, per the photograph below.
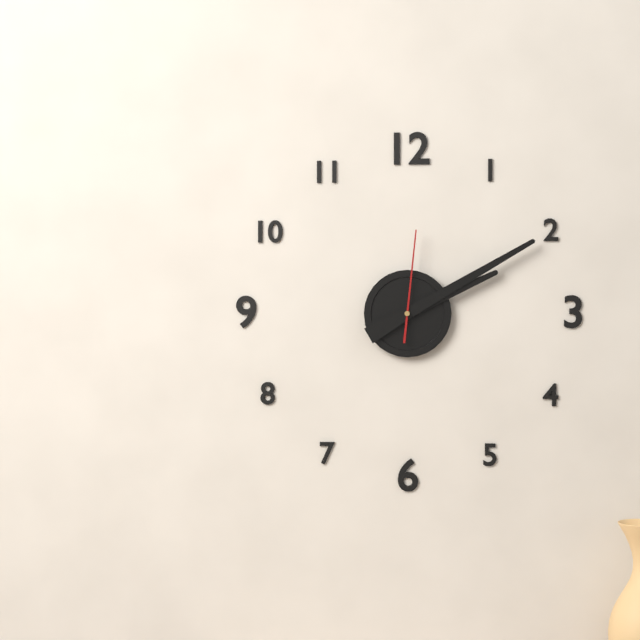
2:10:01
